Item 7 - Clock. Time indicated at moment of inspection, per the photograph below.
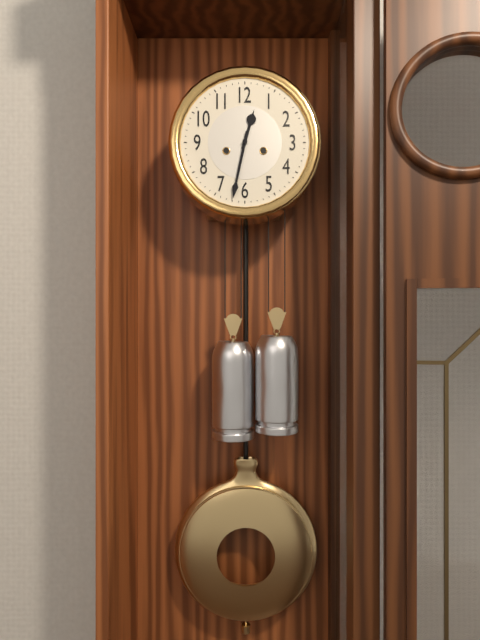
12:32
